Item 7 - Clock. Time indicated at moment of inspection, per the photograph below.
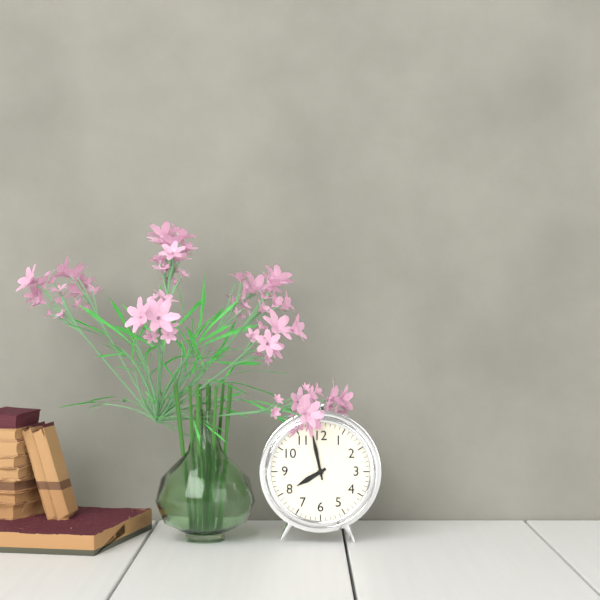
7:58
